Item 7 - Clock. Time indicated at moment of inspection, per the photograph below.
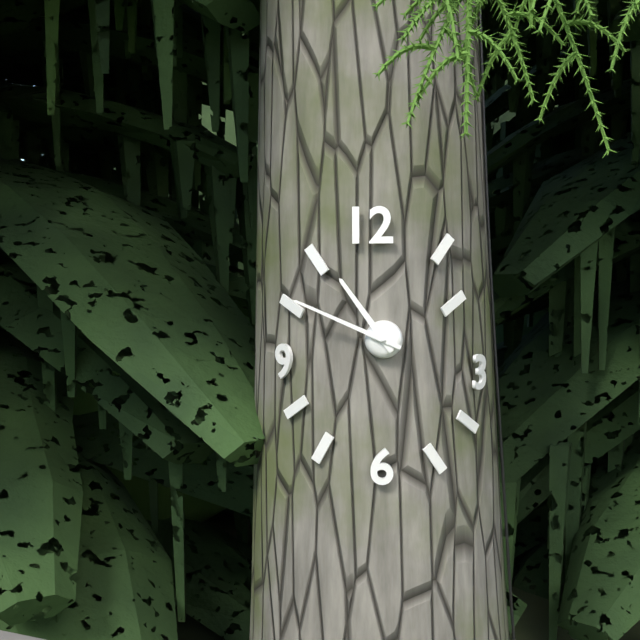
10:49
